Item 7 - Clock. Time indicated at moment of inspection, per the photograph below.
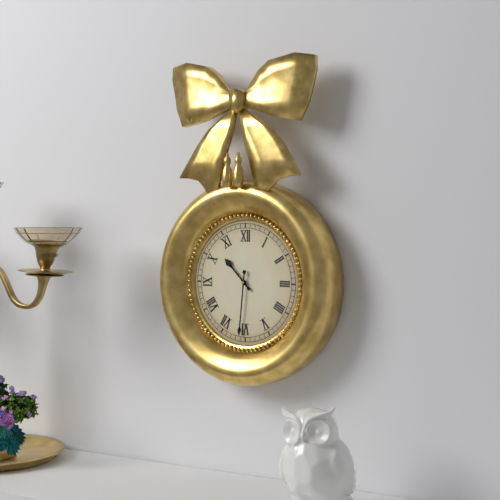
10:31
